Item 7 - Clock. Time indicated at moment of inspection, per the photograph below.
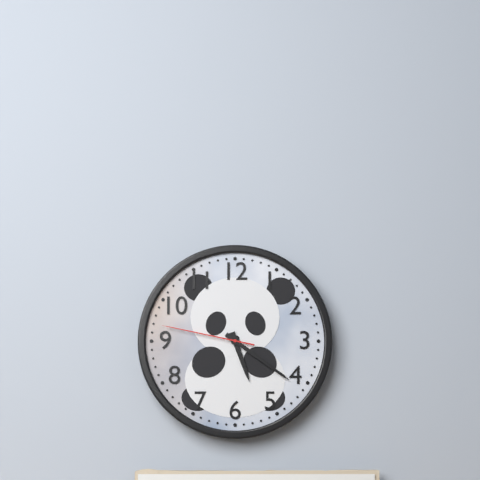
5:21:47
